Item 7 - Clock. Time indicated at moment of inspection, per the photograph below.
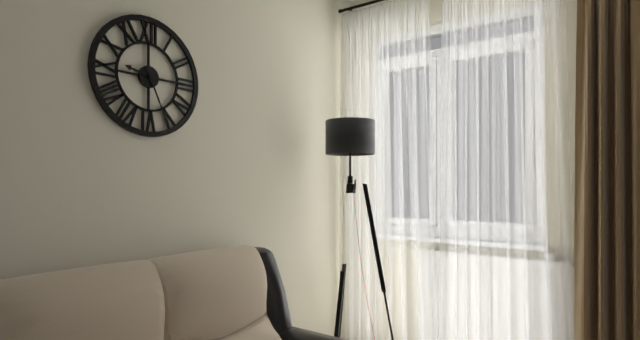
9:26
